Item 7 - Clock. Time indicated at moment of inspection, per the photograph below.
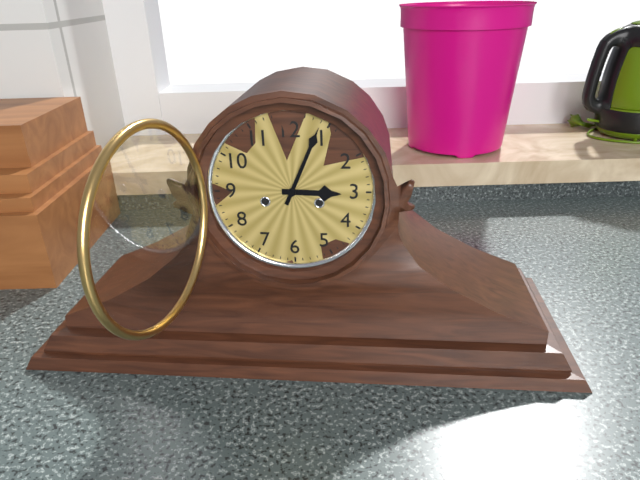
3:04
